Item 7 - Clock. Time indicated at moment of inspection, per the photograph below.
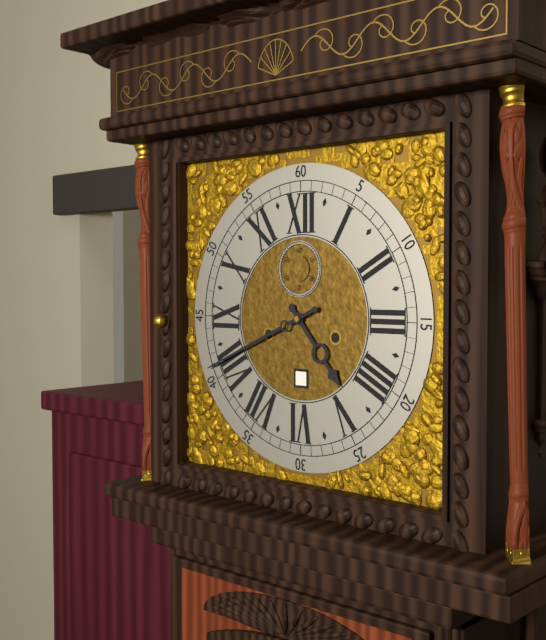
4:41
